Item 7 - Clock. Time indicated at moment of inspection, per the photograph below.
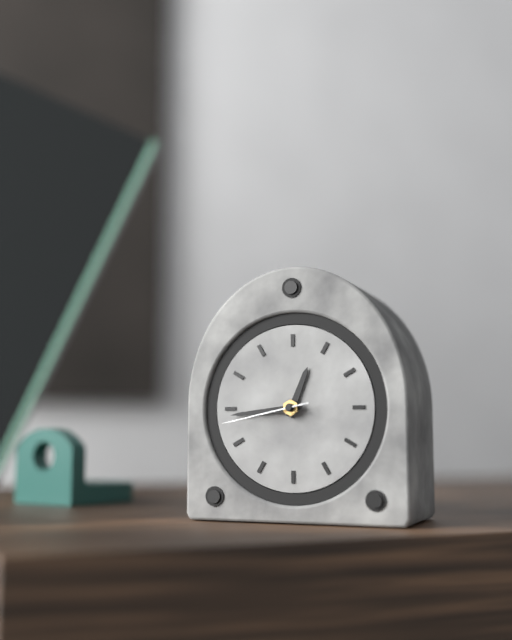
12:44:43
